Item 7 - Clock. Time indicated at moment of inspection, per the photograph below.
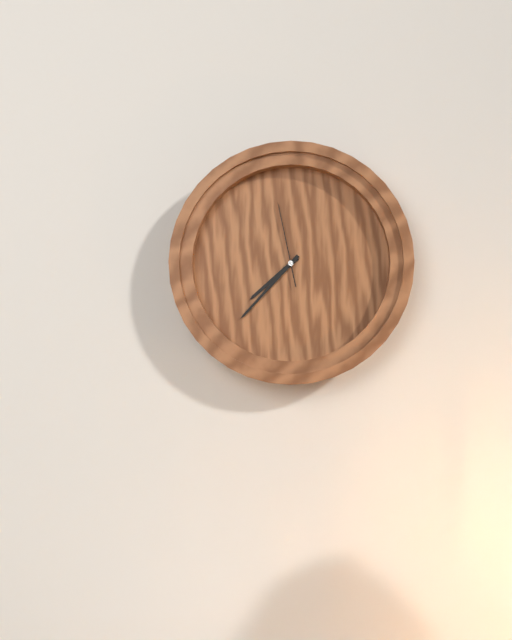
7:37:58
